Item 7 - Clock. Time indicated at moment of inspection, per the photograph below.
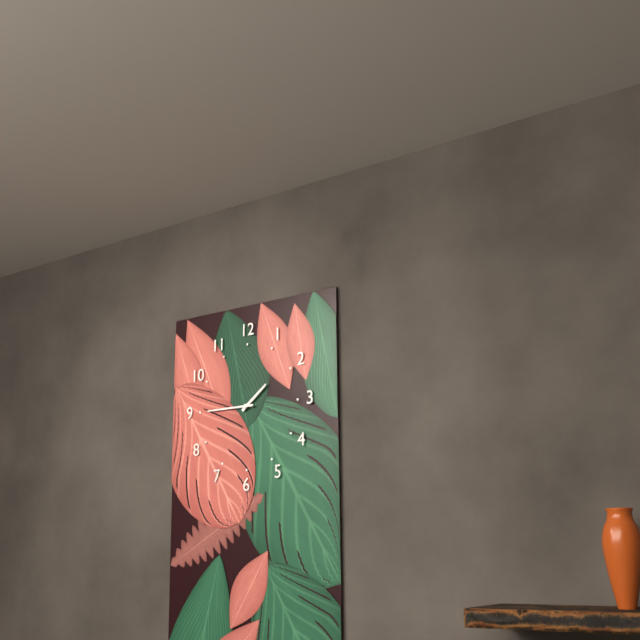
1:45
